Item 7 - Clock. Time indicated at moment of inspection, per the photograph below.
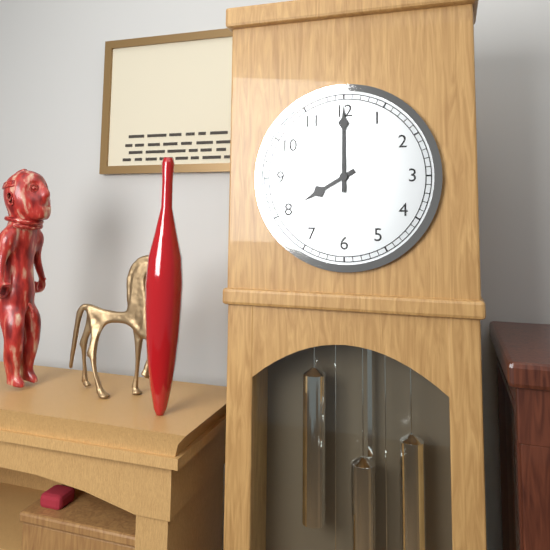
8:00
